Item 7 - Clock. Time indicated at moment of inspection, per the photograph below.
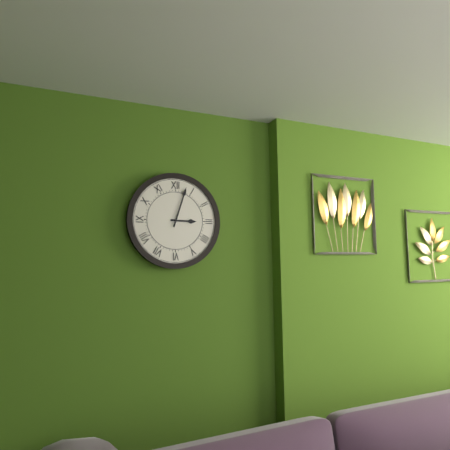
3:03
